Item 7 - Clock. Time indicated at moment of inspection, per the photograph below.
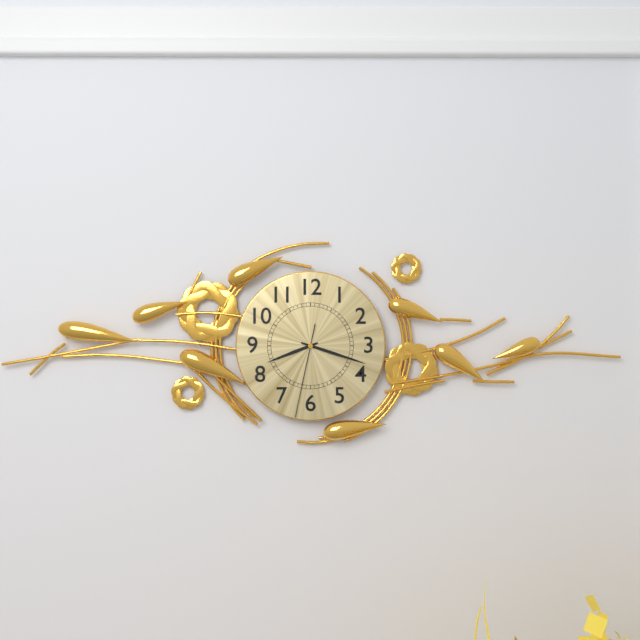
8:18:32
